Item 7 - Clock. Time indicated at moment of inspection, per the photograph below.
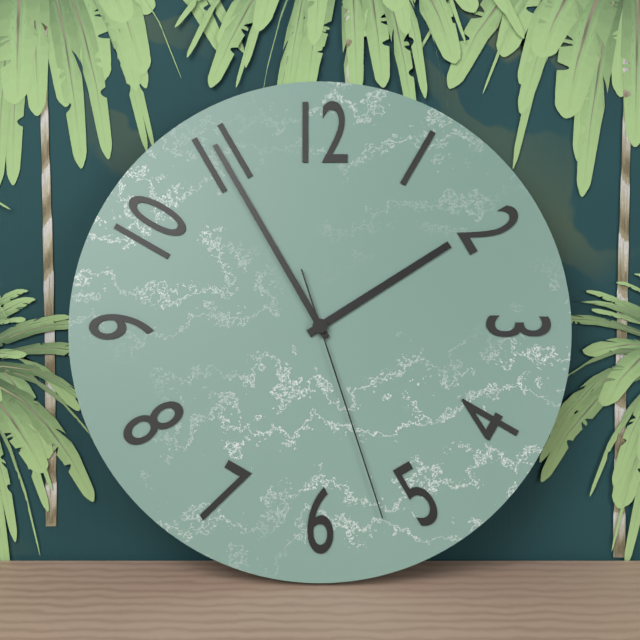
1:55:27
